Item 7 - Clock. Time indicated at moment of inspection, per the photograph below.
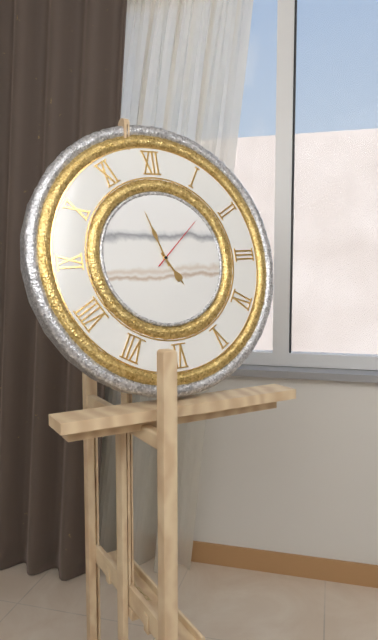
4:57:08
